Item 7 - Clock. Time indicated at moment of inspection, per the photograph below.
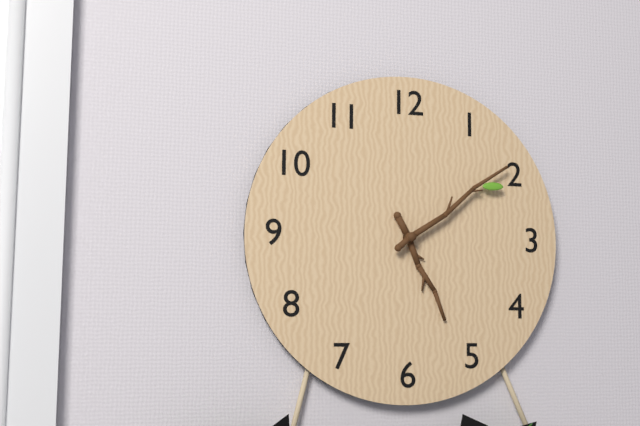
5:09
